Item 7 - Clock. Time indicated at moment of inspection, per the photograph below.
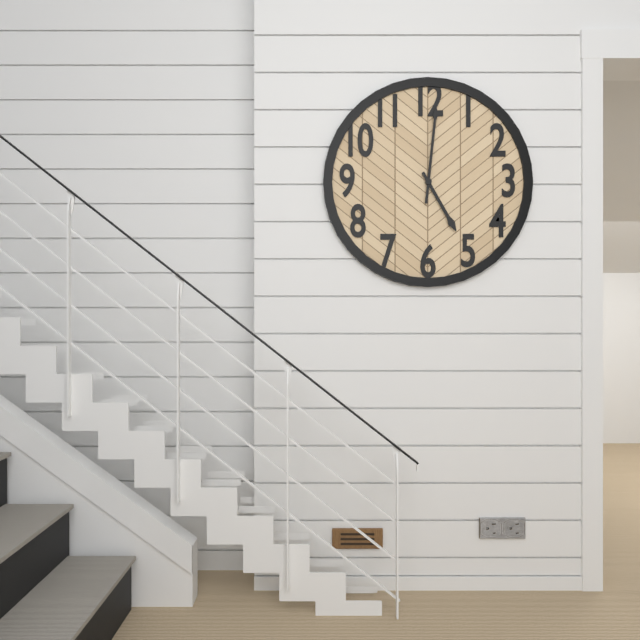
5:01
